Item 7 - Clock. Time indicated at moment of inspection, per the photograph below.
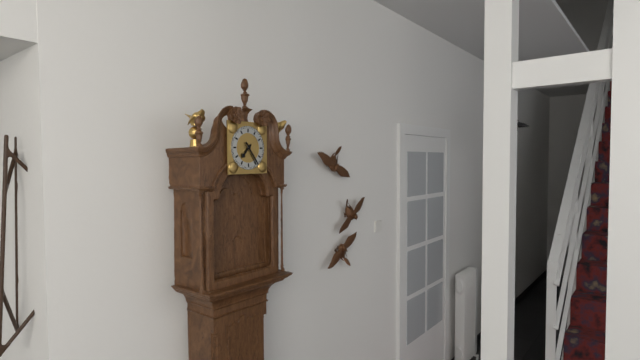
7:24
